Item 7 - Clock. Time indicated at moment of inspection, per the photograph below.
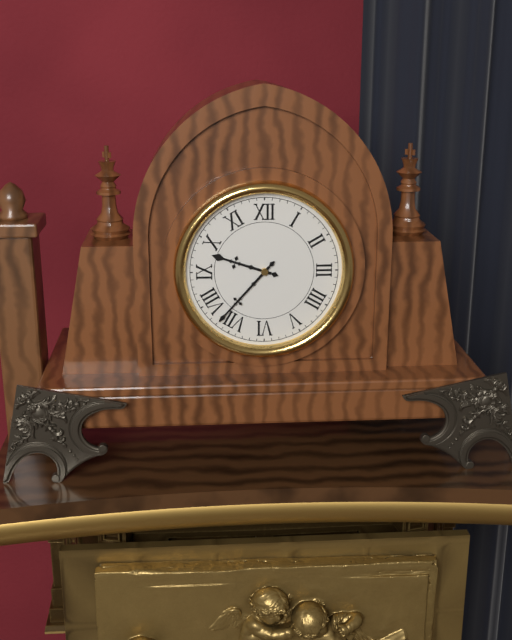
9:37
